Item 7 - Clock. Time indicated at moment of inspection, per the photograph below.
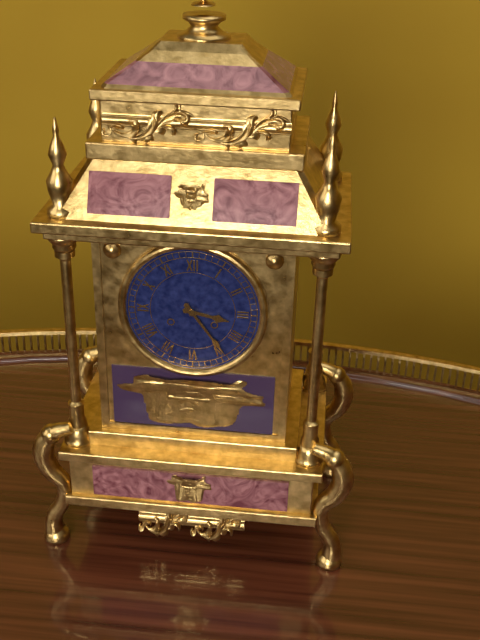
3:24
